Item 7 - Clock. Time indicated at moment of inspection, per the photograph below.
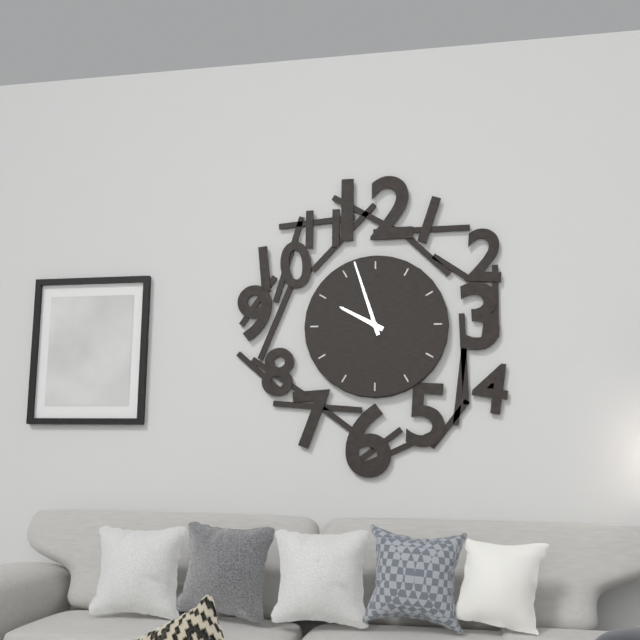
9:57
